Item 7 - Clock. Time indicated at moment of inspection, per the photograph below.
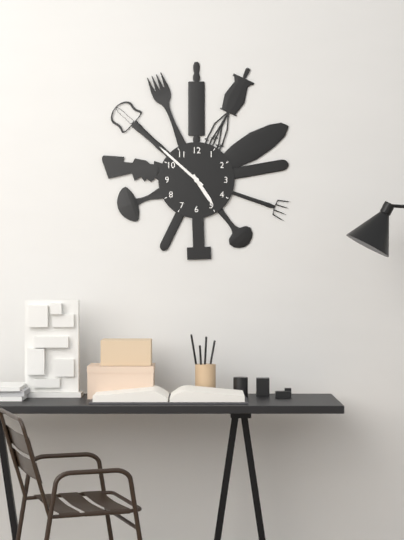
4:52
